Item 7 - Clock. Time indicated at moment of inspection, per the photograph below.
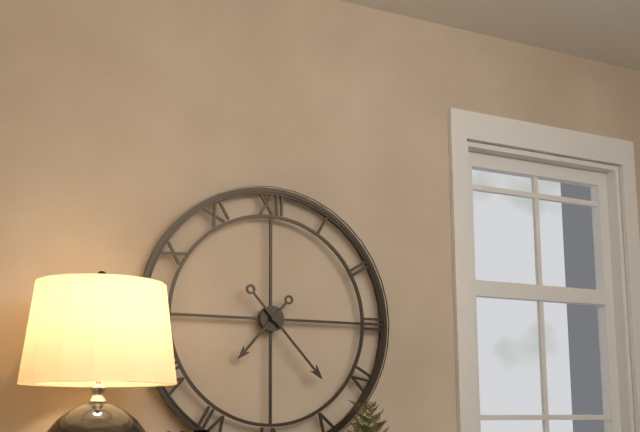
7:23
